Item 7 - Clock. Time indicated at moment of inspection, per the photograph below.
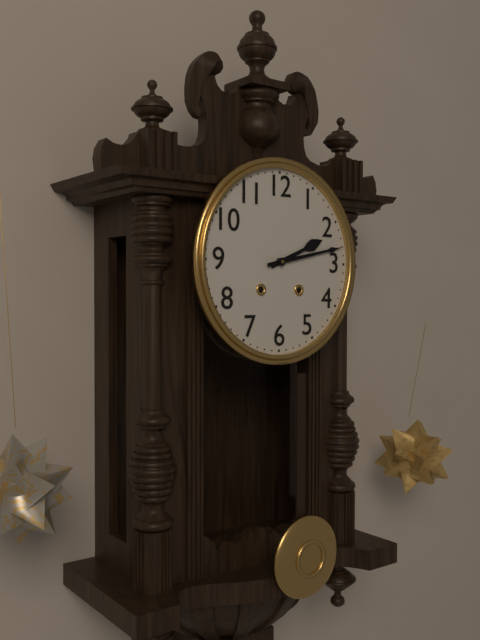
2:13
